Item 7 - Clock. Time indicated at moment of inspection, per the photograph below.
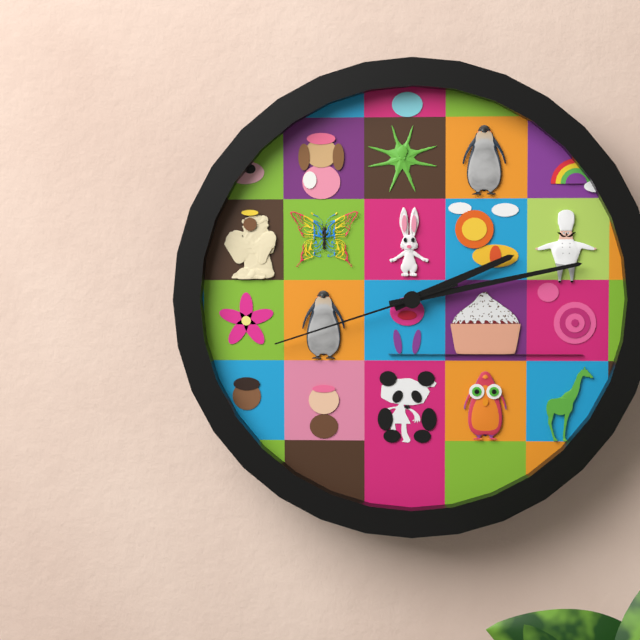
2:13:42
